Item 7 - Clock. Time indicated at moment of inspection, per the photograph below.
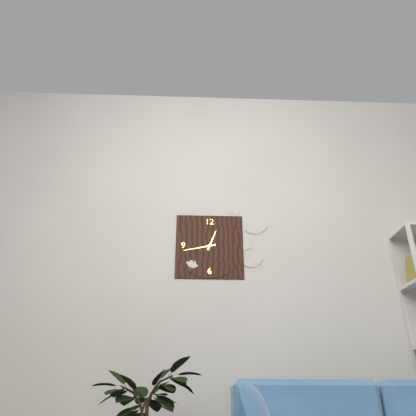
12:43
